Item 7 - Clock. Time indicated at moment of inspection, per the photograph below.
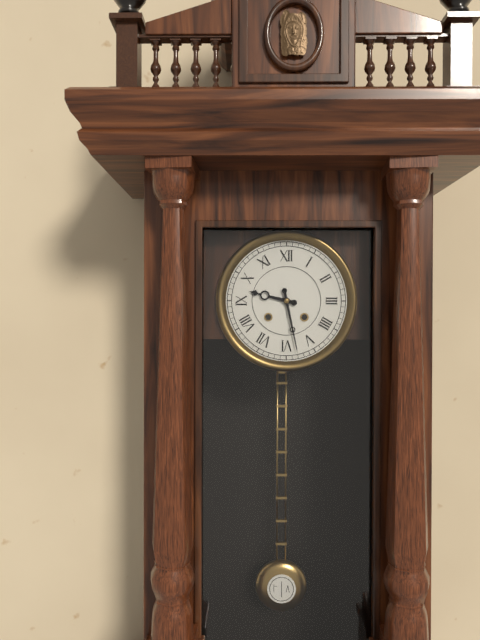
9:28
